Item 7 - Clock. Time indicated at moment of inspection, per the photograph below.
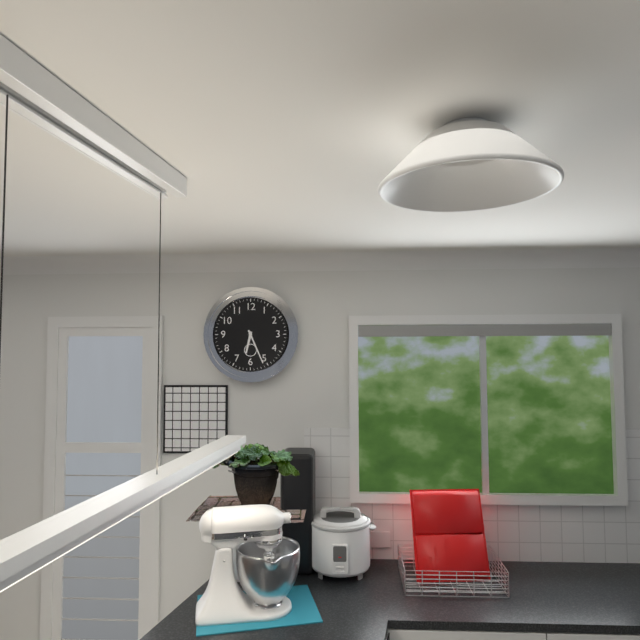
6:26
